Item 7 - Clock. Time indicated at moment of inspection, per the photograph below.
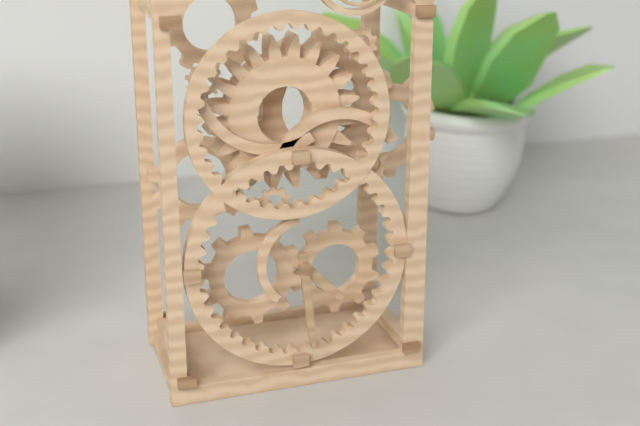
4:29
